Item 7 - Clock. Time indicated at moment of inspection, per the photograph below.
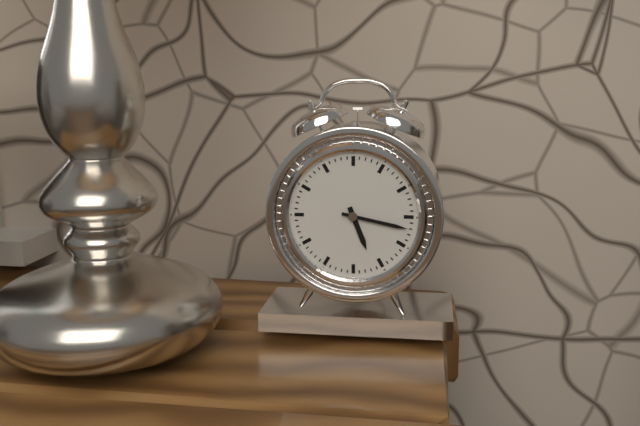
5:17
